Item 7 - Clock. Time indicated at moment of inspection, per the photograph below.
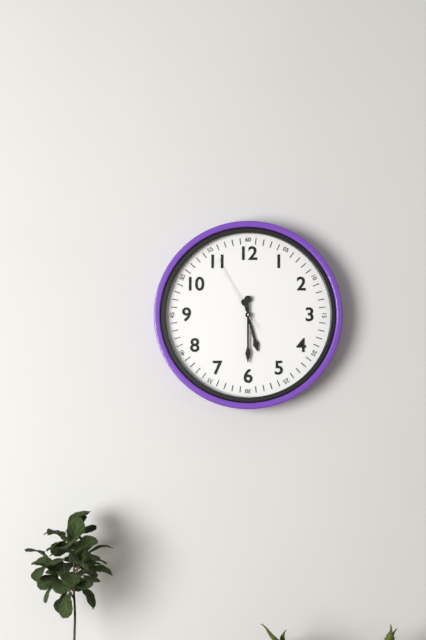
5:30:55
